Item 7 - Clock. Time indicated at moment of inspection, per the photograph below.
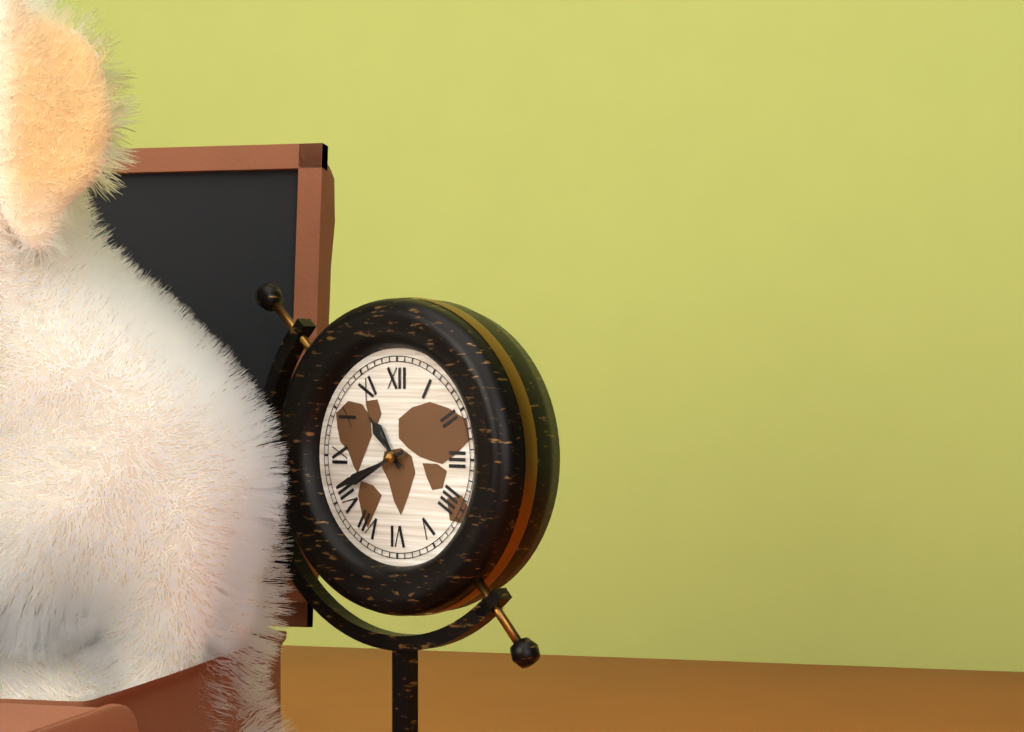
10:41
